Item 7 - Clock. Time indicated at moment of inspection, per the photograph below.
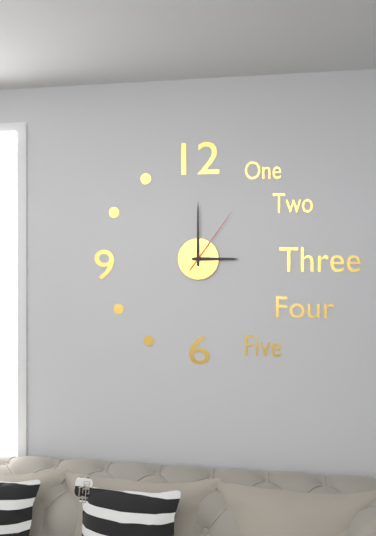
3:00:06
